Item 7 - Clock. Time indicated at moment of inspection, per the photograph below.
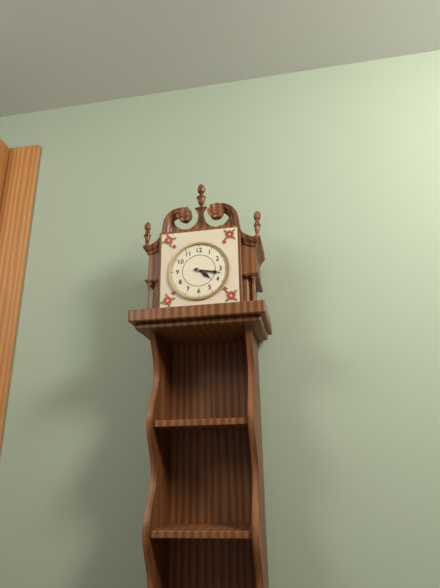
4:17
